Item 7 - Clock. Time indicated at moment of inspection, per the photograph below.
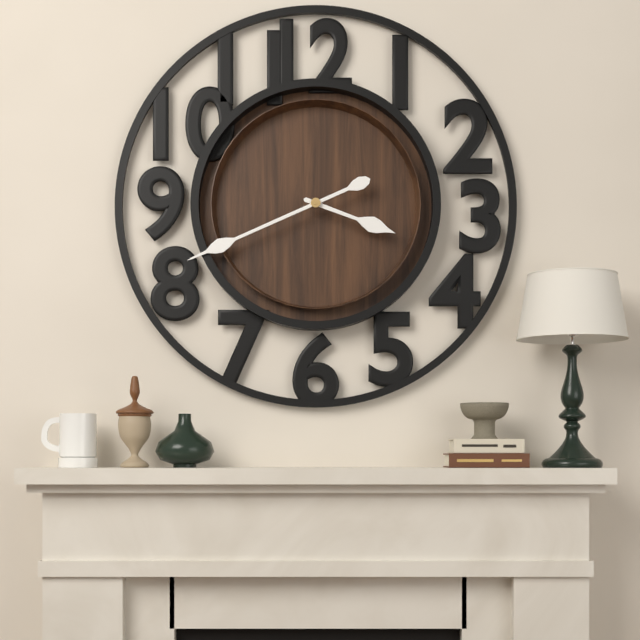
3:41
